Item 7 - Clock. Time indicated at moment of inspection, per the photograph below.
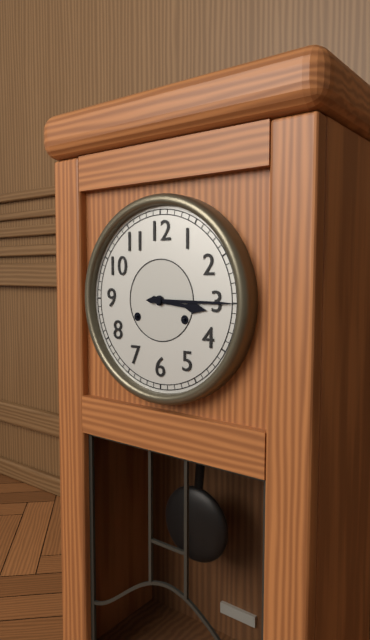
3:15
